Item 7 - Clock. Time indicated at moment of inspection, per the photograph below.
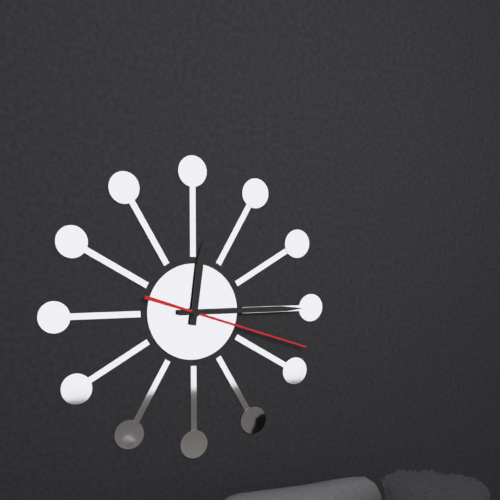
12:15:18
